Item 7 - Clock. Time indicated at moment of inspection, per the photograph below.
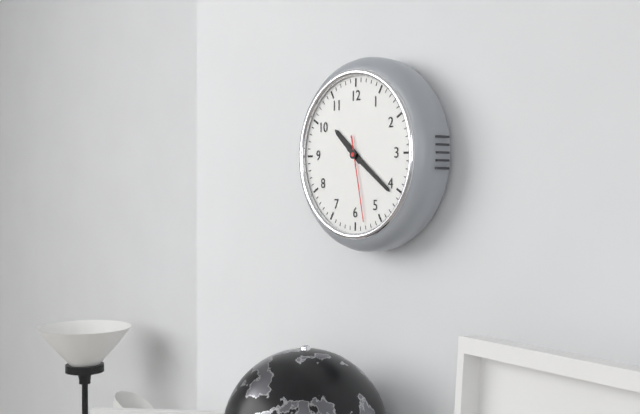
10:21:28
